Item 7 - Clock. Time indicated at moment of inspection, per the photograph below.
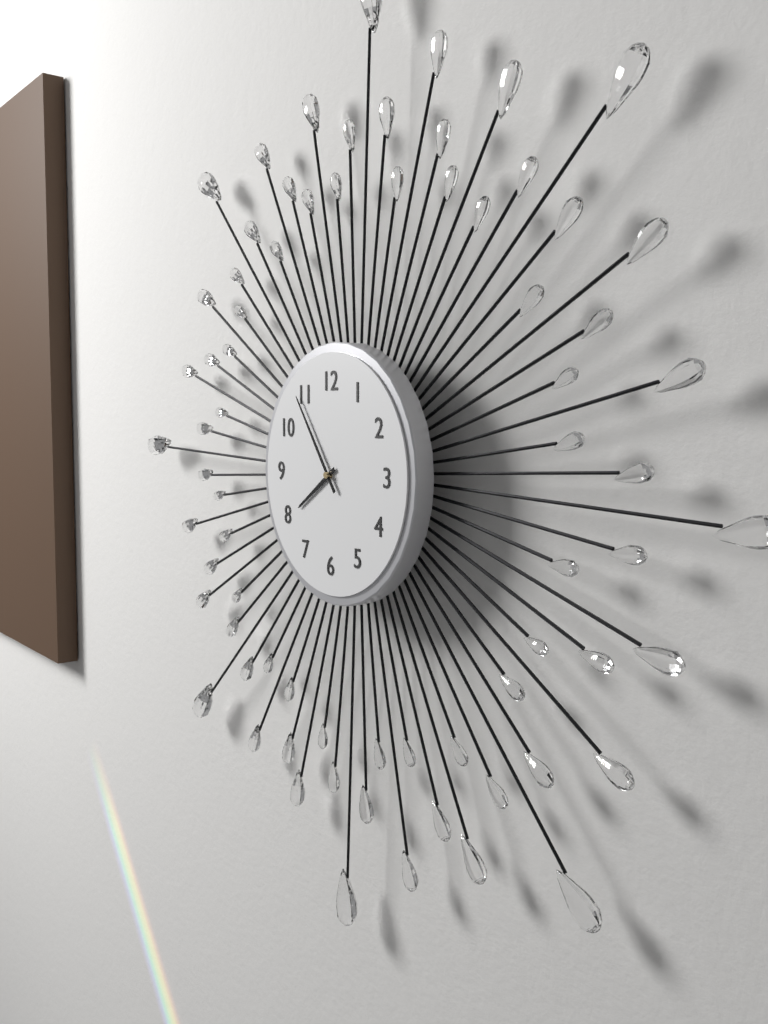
7:54
